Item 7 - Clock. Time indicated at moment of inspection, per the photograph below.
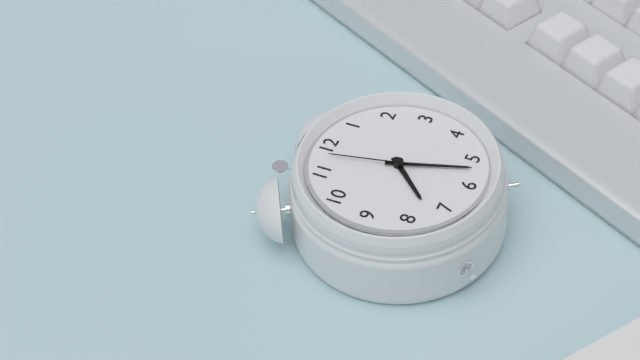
7:27:58
